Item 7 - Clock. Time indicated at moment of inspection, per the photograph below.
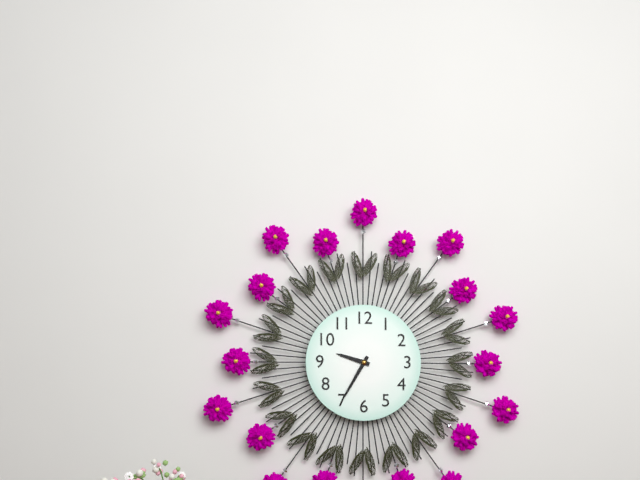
9:35
